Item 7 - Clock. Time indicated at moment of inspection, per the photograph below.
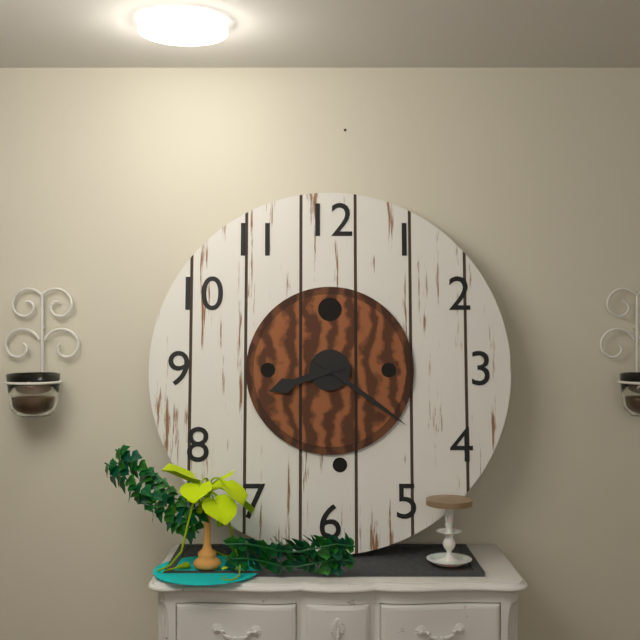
8:21
